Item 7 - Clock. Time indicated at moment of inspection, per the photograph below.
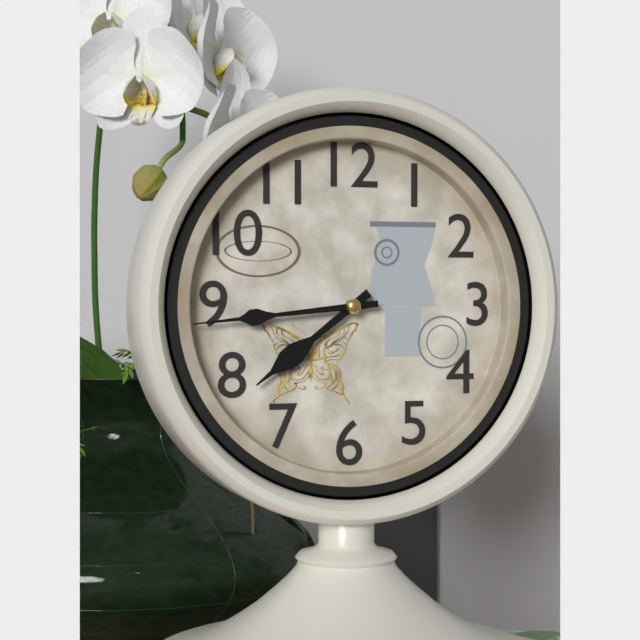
7:44
